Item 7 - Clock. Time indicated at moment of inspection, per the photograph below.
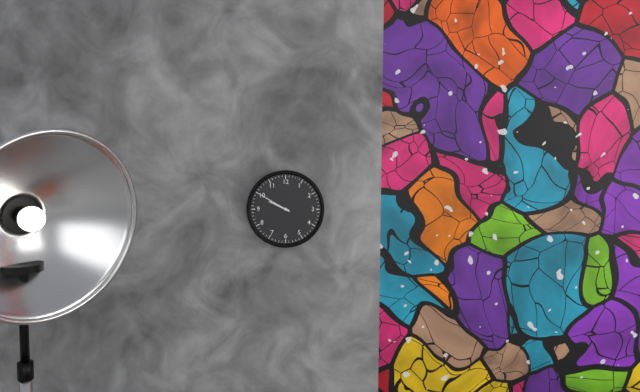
9:50
